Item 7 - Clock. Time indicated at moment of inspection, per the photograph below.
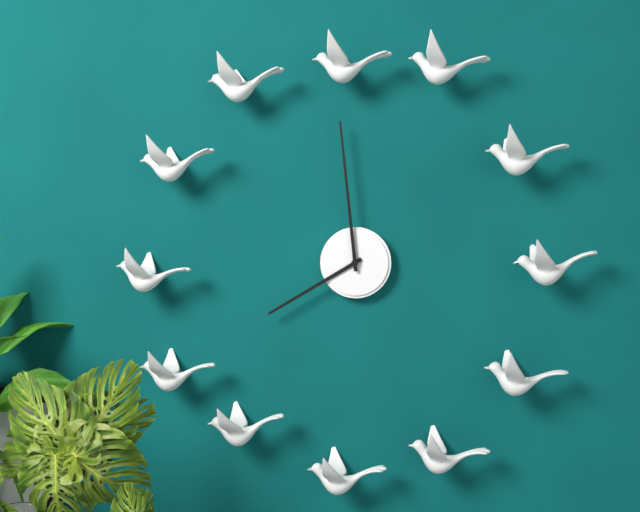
7:59
